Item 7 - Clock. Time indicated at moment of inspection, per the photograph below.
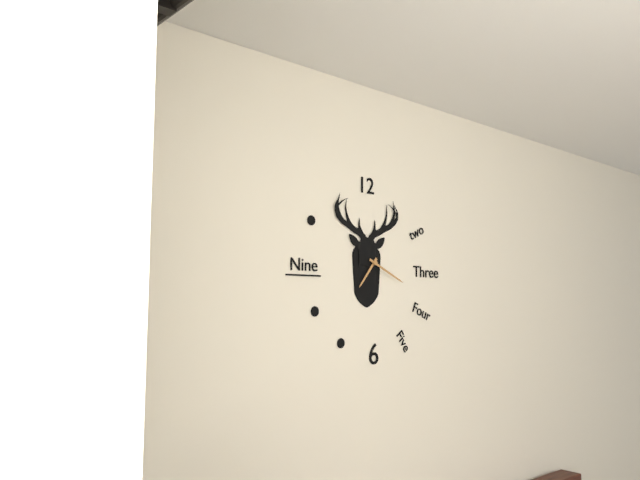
7:19
